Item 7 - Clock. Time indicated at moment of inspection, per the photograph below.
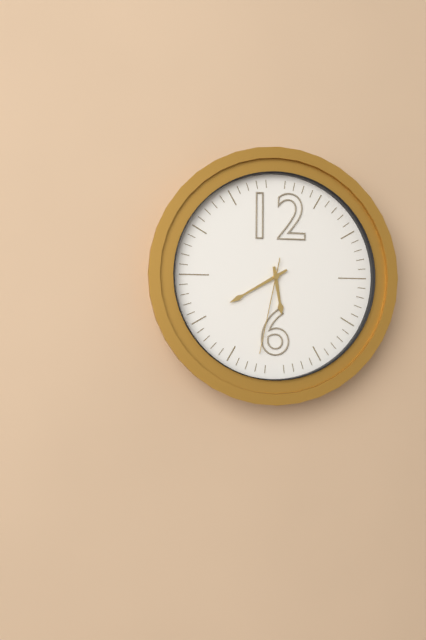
5:40:32
